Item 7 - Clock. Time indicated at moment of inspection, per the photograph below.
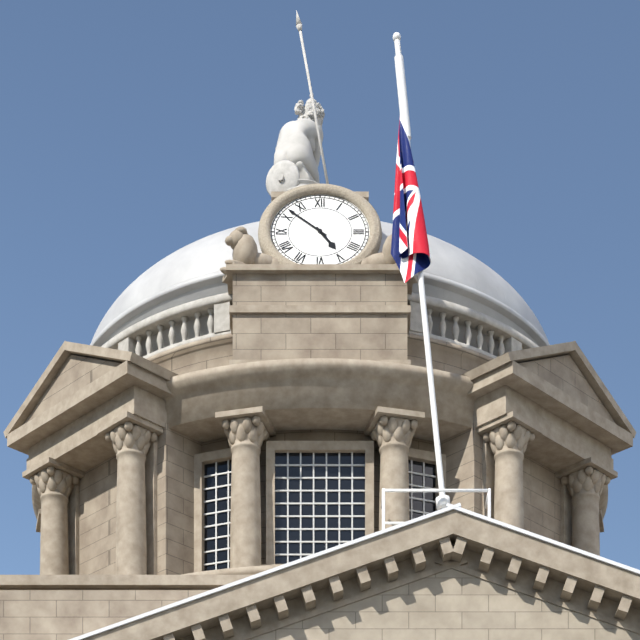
4:52
